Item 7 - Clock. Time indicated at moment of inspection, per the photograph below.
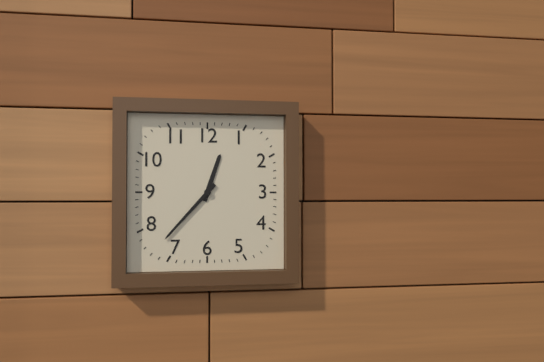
12:37
